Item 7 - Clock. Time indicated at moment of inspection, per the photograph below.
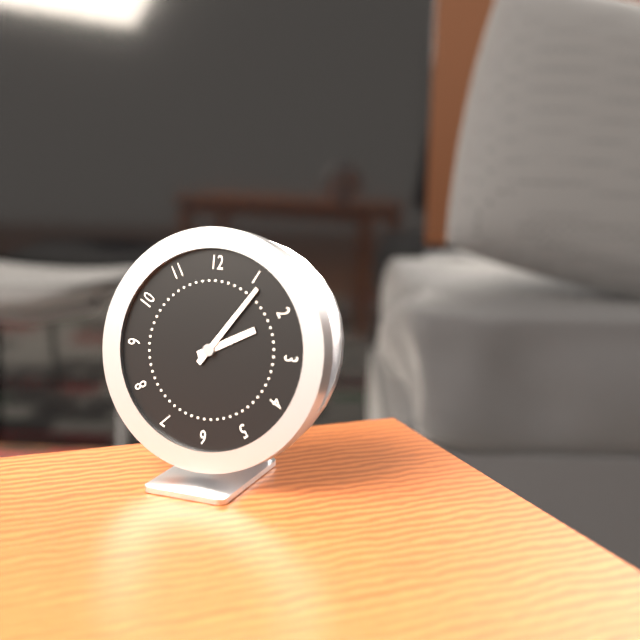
2:06
